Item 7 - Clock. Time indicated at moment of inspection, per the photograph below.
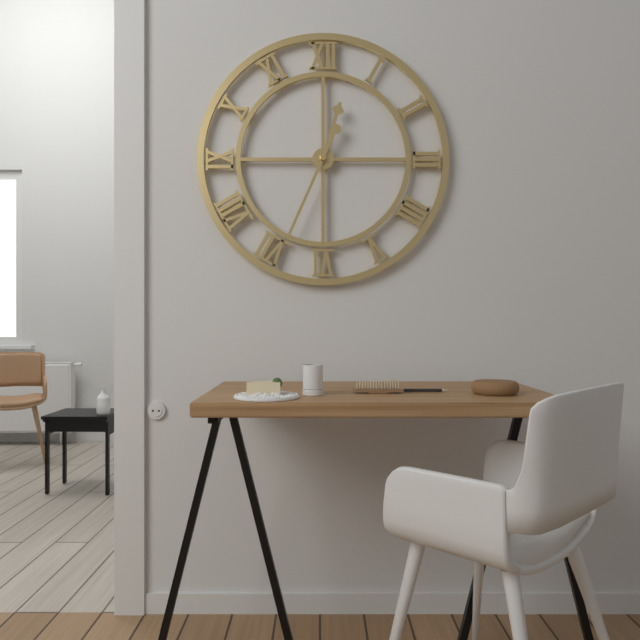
12:34
